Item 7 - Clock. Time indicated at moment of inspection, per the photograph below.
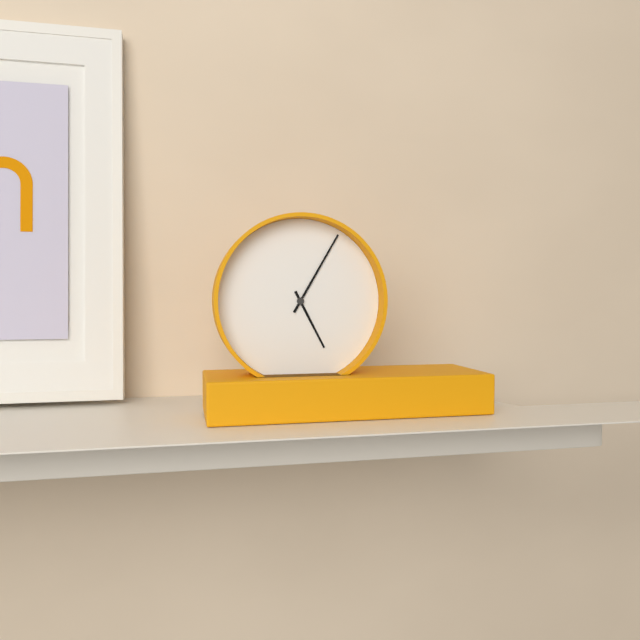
5:05
